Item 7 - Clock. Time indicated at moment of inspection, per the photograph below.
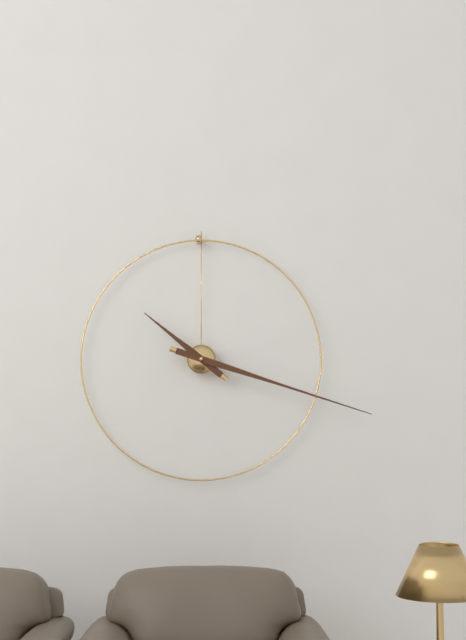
10:18
